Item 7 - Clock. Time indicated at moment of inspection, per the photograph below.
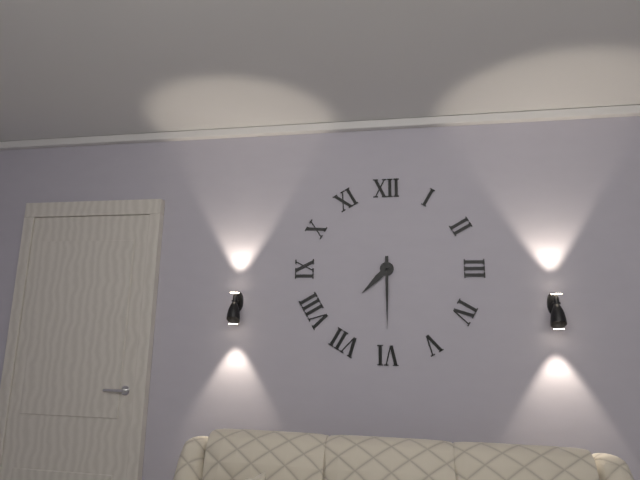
7:30
